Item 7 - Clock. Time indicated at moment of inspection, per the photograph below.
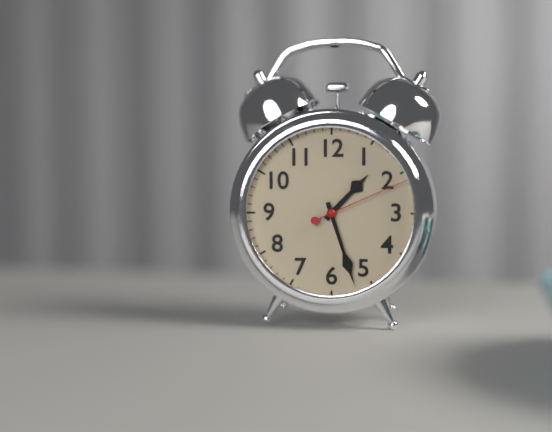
1:27:11
